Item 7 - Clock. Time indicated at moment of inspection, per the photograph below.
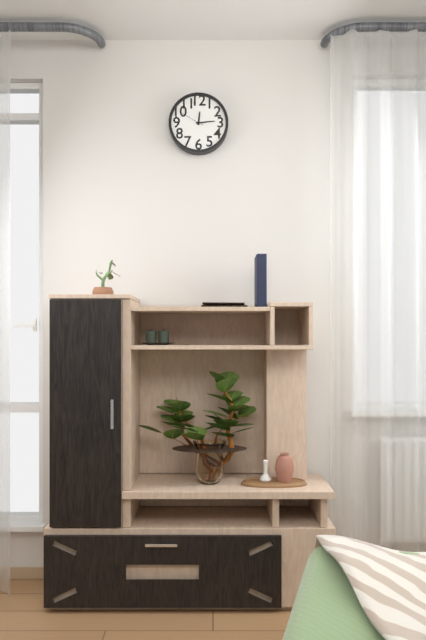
12:14
